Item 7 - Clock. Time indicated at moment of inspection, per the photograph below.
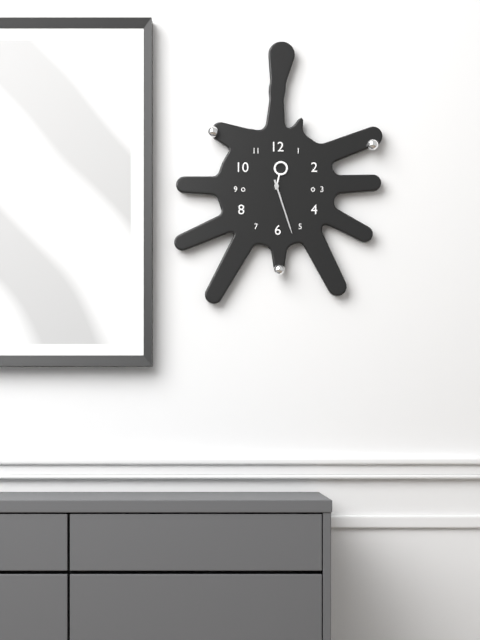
12:27
